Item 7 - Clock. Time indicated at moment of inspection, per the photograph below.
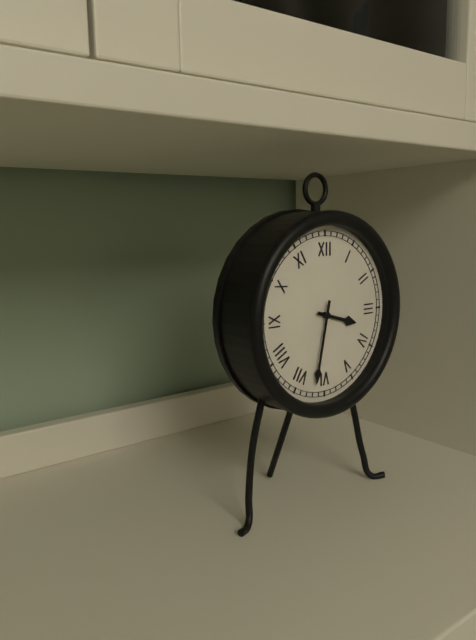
3:32
